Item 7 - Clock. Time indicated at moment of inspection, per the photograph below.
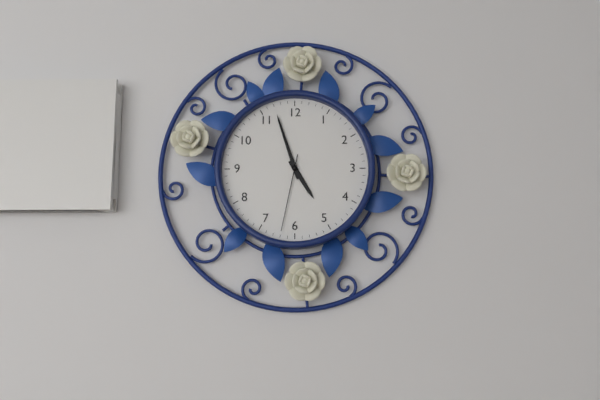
4:57:32
